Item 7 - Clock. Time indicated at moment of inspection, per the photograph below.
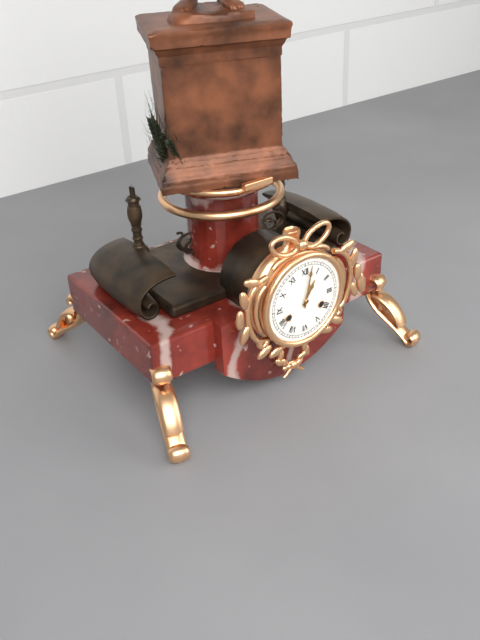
1:02
